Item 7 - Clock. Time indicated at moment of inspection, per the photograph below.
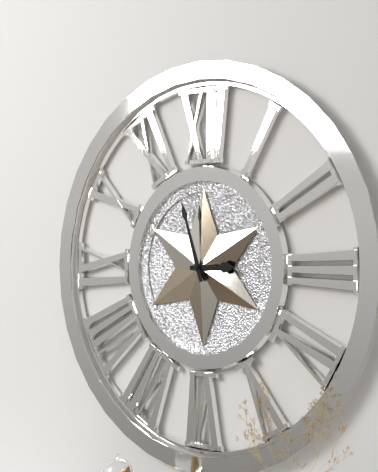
2:57
